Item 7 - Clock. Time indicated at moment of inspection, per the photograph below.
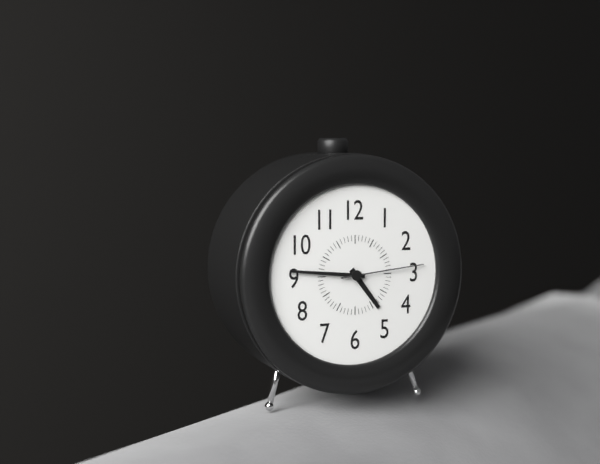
4:46:14
